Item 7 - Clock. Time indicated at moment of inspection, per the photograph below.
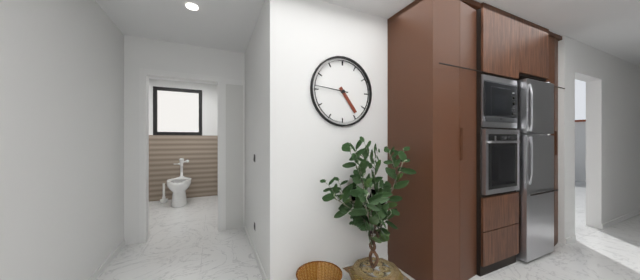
4:46
